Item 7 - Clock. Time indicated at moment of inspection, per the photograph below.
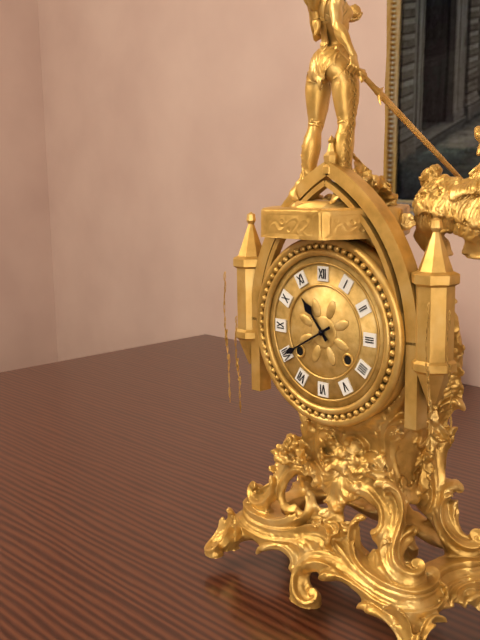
10:40
